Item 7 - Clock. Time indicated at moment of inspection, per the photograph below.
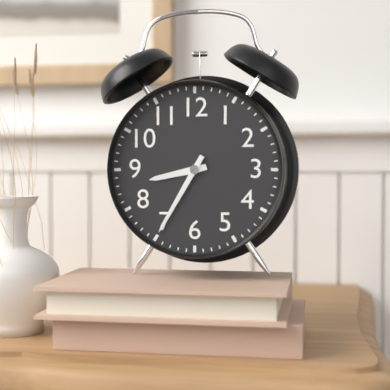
8:35
